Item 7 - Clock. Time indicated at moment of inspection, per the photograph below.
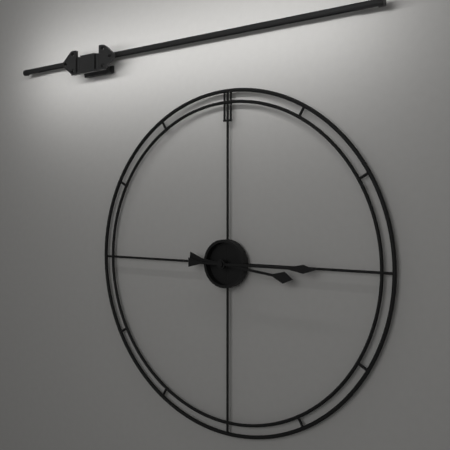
3:15
